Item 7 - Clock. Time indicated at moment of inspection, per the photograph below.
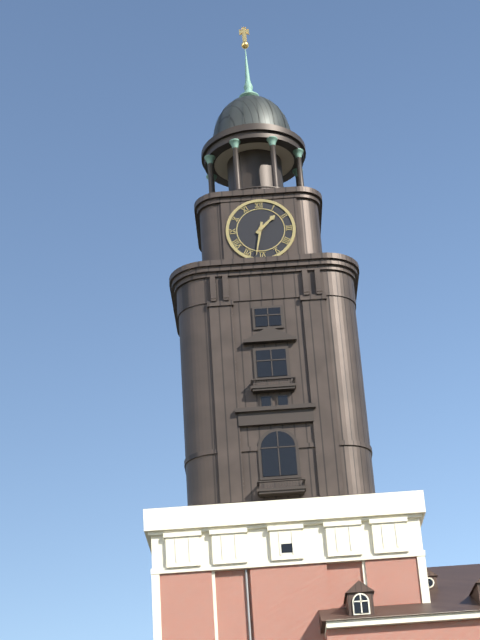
1:32
